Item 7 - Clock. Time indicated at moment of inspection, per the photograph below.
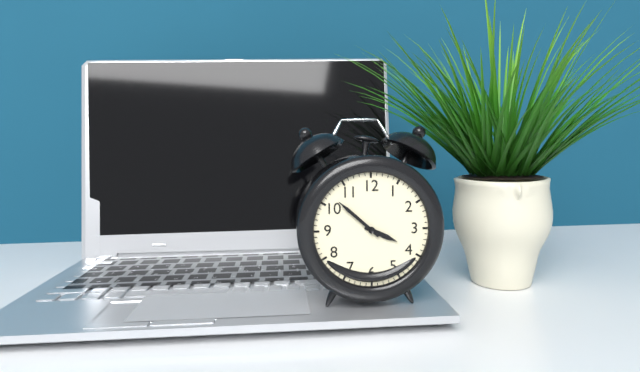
3:52
